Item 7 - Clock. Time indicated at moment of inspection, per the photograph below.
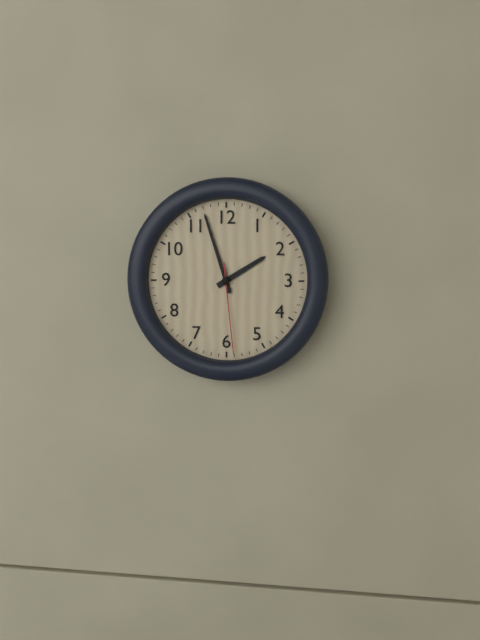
1:57:29
